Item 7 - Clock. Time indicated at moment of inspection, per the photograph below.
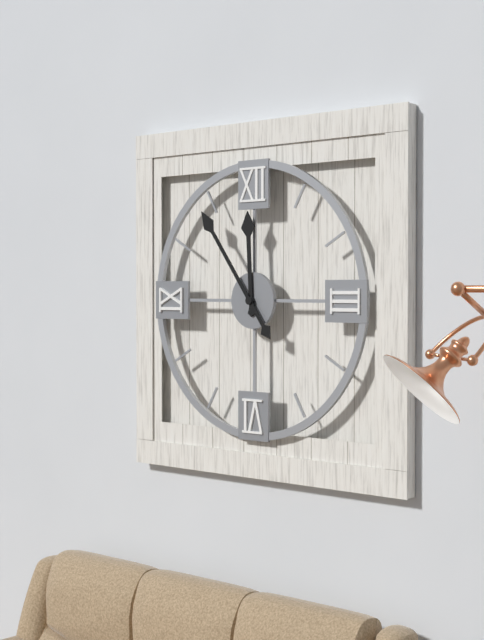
11:54
